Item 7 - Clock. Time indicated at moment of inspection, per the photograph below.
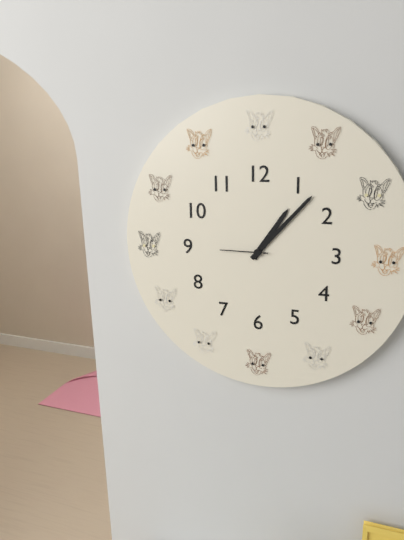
1:07
